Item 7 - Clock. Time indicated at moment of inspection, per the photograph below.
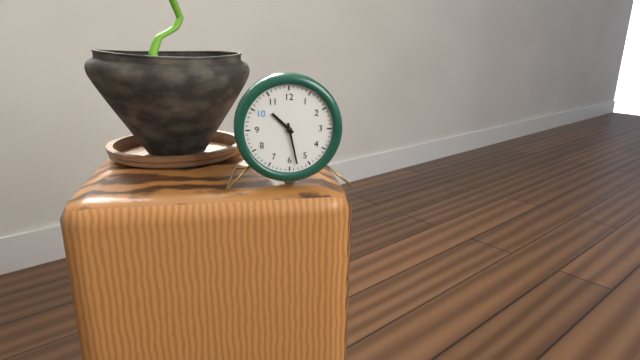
10:28
